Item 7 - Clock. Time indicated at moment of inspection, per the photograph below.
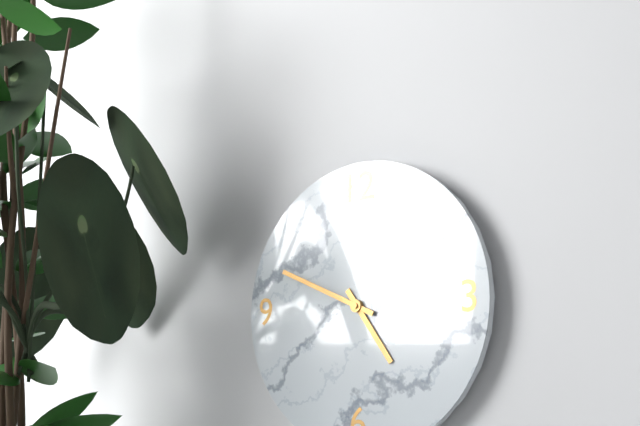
4:49
